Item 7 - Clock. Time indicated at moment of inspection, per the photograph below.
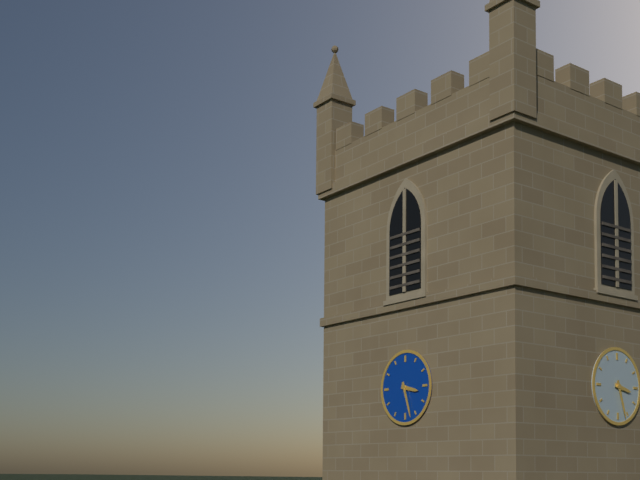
3:27
